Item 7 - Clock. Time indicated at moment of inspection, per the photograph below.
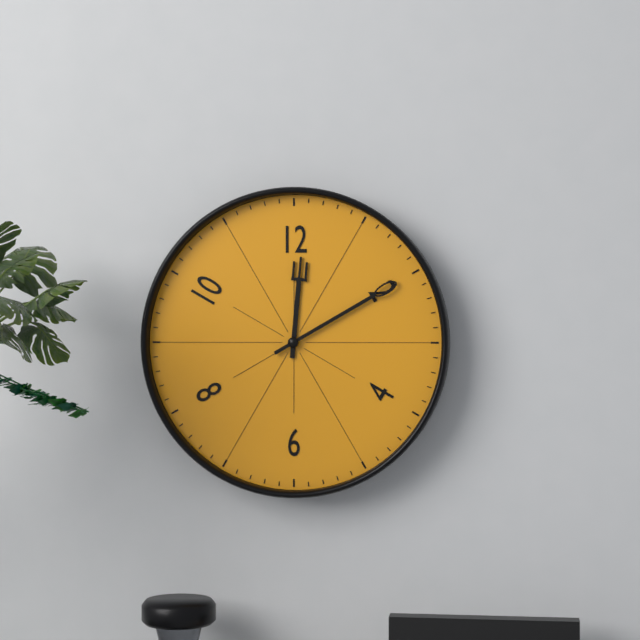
12:10
